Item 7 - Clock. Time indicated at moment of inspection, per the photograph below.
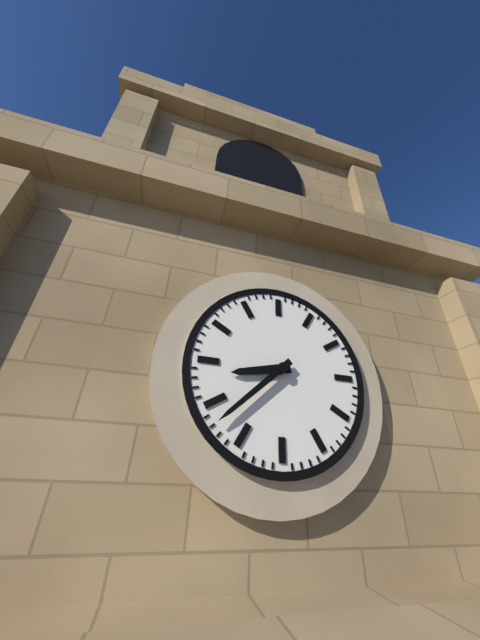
8:38
